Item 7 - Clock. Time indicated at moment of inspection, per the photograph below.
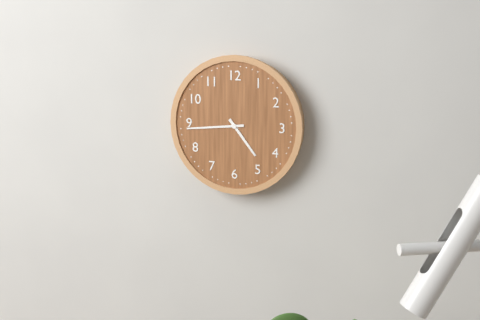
4:44
